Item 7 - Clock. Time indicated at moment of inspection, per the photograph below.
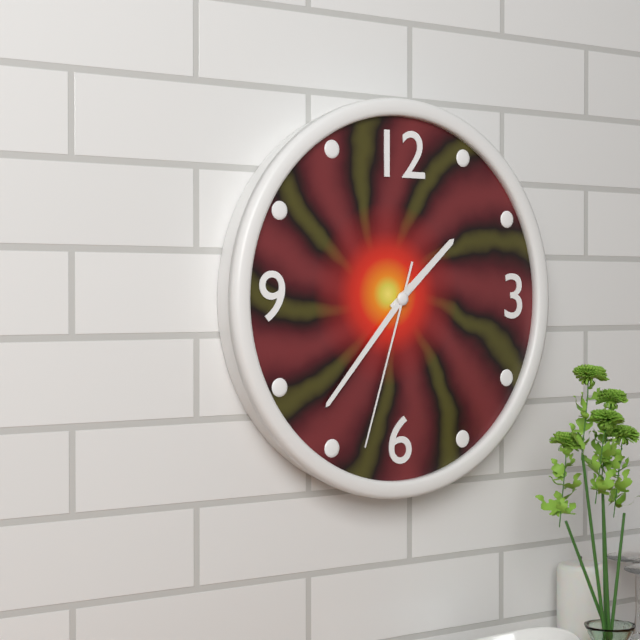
1:37:33
